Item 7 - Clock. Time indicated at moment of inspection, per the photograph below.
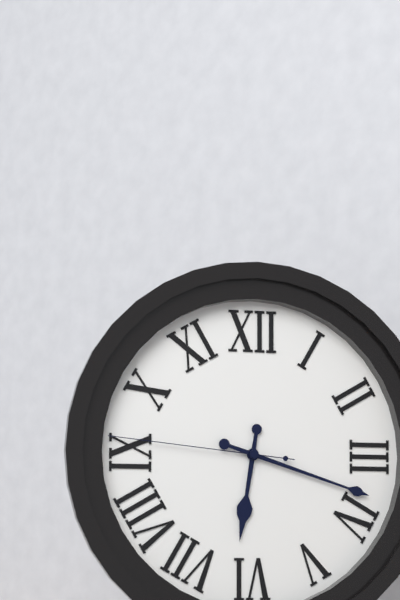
6:18:46
